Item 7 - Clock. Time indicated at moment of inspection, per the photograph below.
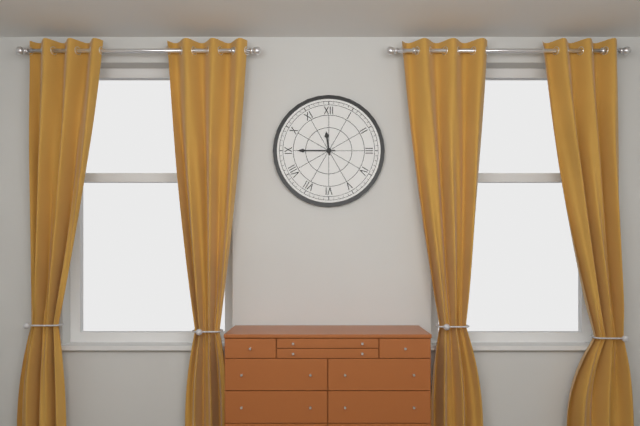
11:45
